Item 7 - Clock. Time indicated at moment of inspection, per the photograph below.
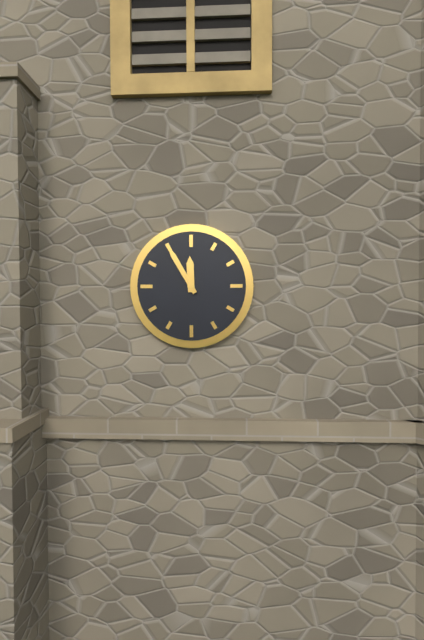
11:55
